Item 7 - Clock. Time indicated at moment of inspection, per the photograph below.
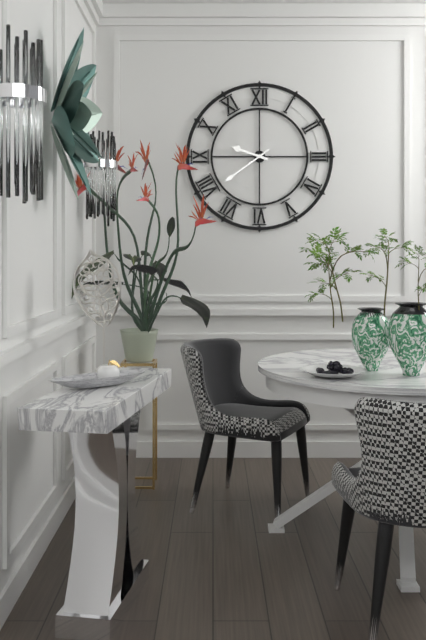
9:39
